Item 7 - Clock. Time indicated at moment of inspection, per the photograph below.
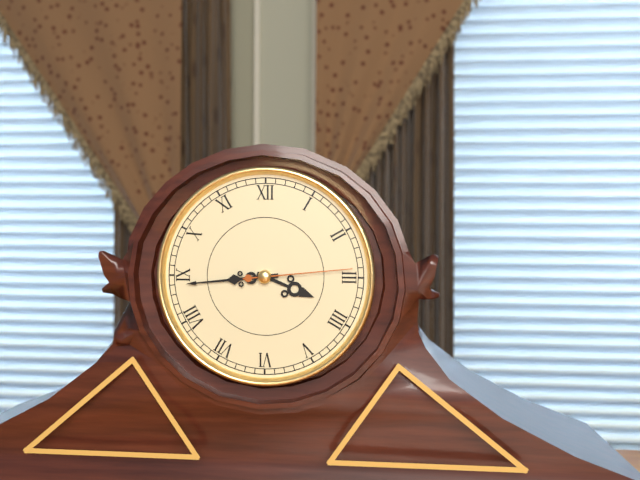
3:44:14
